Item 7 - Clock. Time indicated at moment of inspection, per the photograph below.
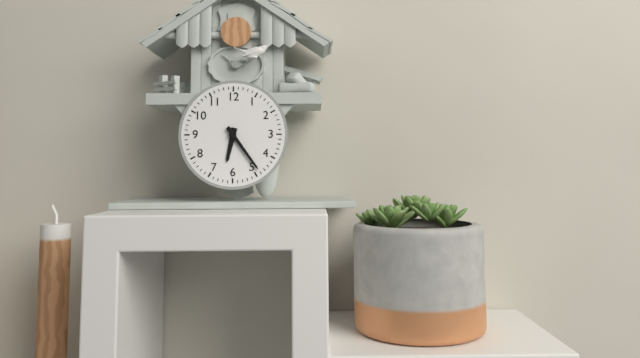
6:24
